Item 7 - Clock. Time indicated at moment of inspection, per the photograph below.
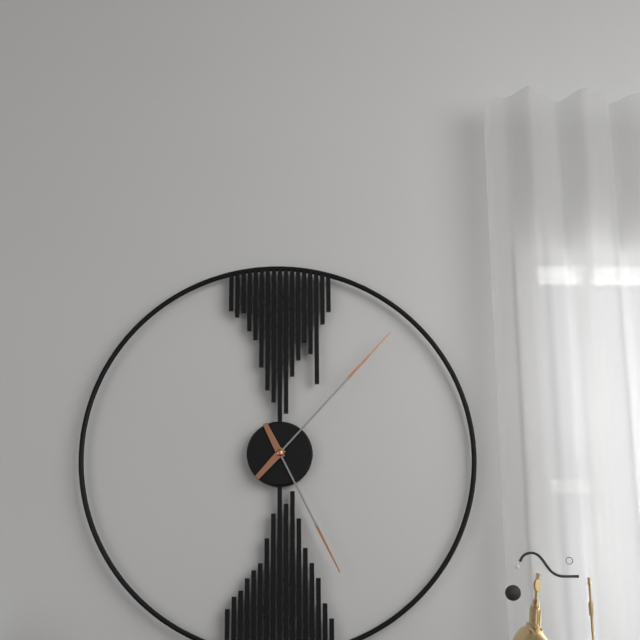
5:07
